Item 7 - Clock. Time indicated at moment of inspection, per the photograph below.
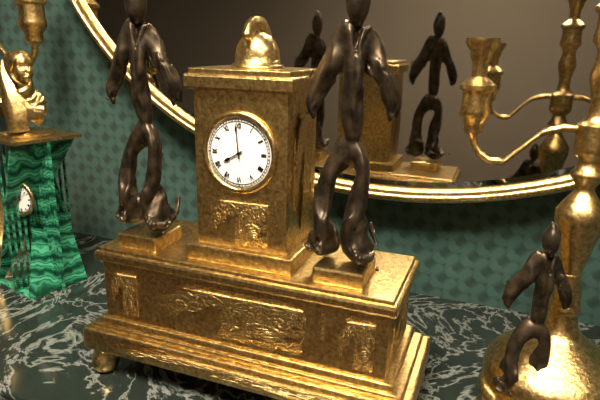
7:59
